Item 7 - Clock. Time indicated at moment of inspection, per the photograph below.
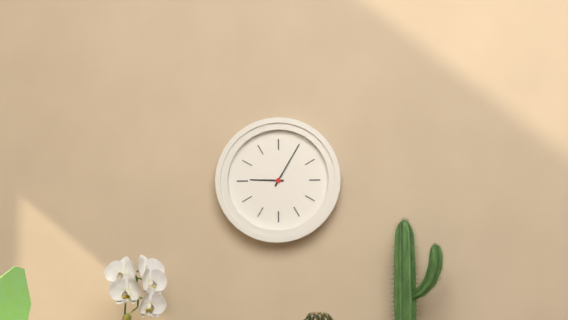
9:05
